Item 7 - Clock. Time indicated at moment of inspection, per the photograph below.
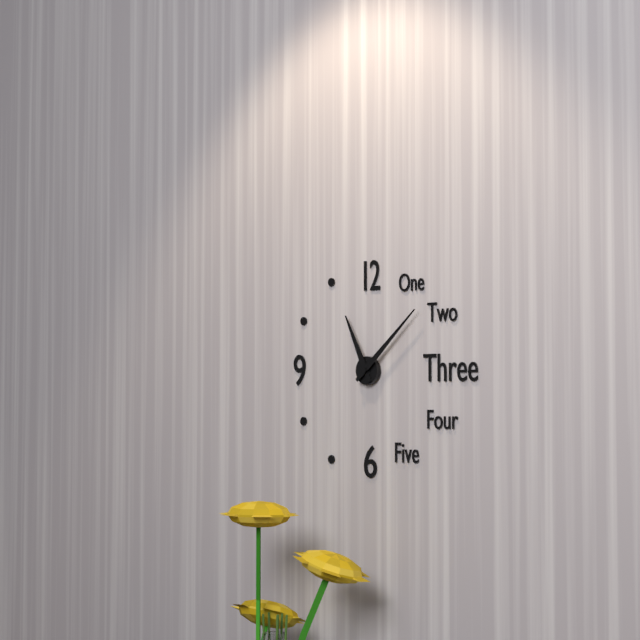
11:08
